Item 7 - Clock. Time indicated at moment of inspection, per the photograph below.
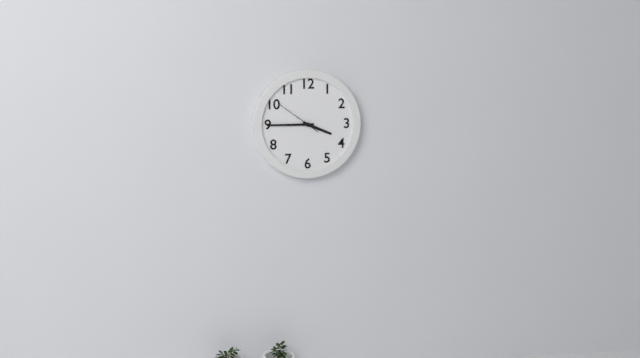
3:45
